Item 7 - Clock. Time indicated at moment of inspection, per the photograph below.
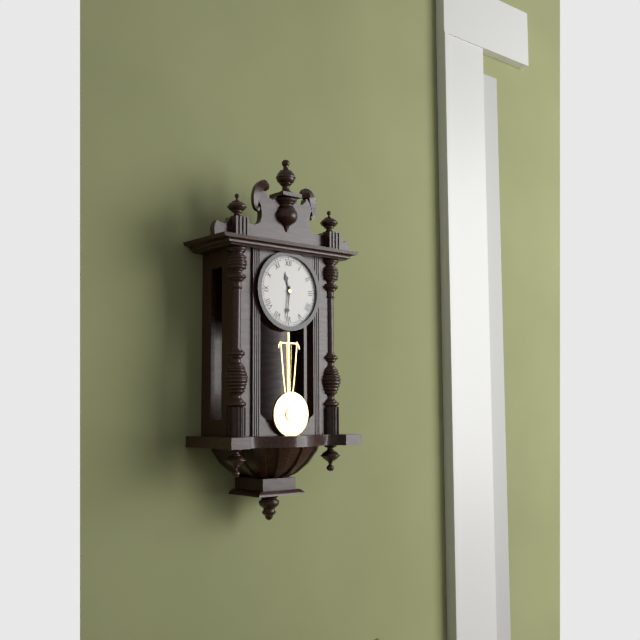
11:31
